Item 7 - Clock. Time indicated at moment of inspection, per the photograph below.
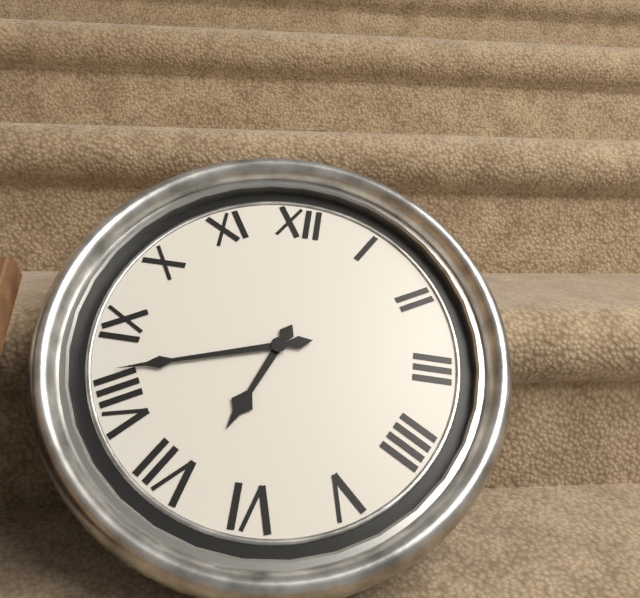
6:42
